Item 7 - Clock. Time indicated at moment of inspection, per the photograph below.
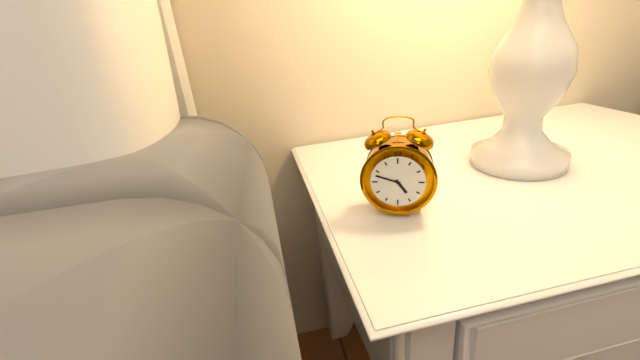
4:48
